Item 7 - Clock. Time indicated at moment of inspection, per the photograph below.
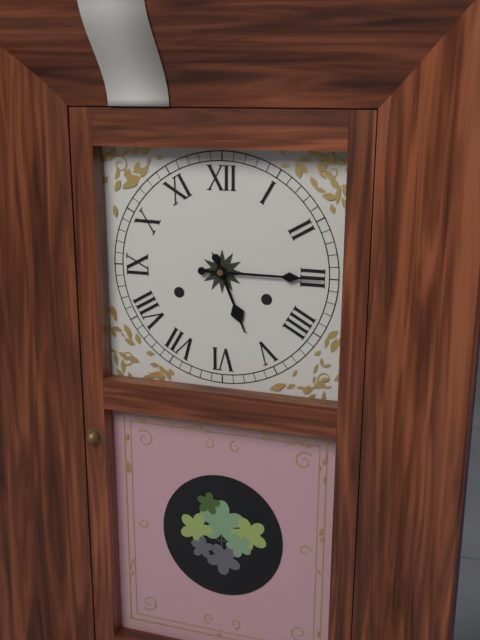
5:15
